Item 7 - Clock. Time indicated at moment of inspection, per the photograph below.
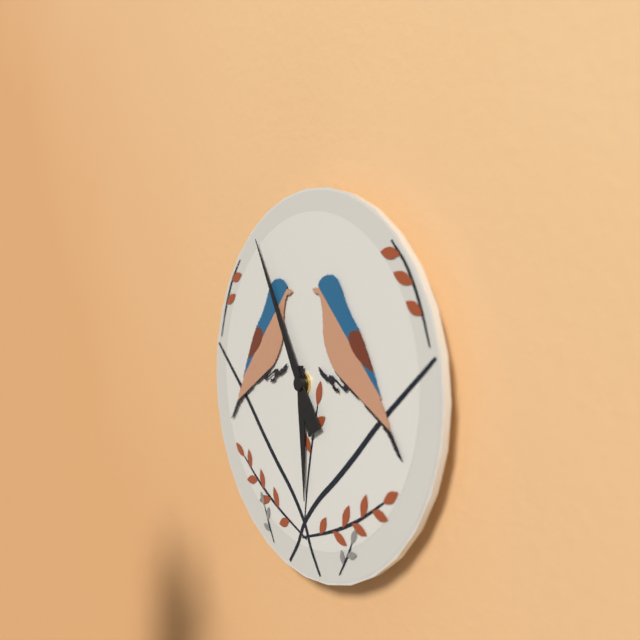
5:55
